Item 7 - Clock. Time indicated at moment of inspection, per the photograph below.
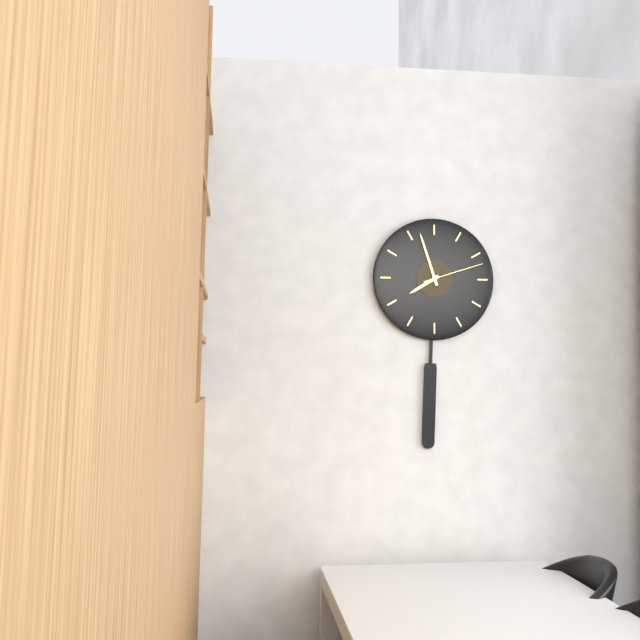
7:57:12
